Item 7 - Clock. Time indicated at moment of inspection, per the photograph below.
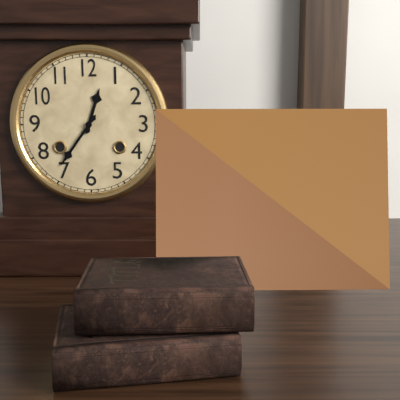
12:36
